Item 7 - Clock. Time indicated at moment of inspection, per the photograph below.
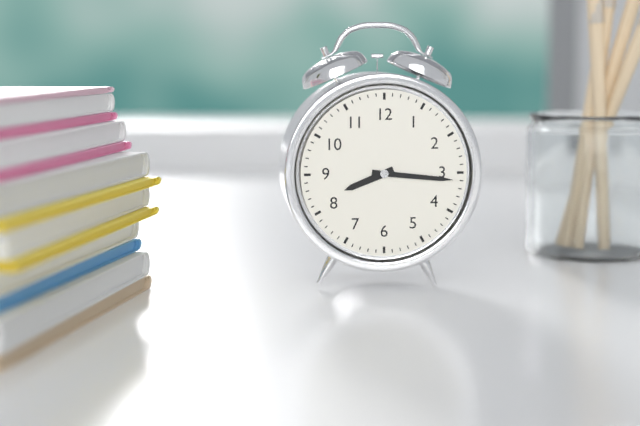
8:16
